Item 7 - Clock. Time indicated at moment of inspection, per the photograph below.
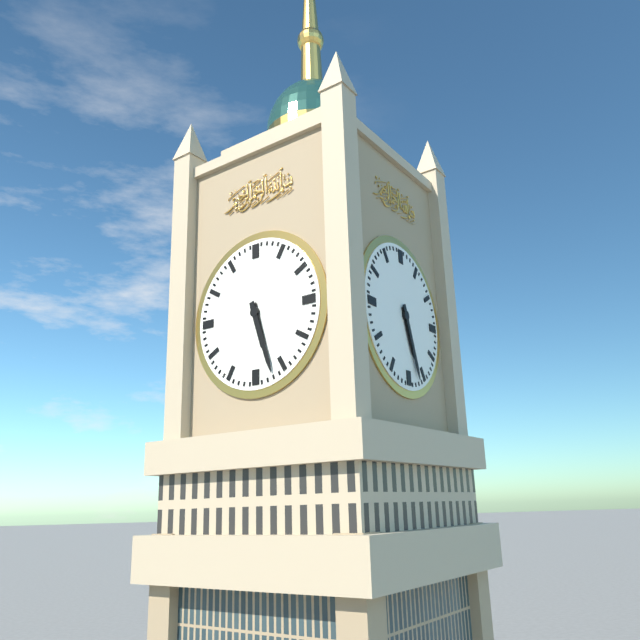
5:27
